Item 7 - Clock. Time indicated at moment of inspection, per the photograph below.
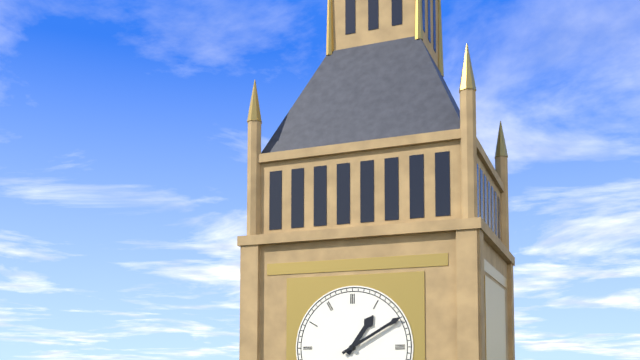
1:10
